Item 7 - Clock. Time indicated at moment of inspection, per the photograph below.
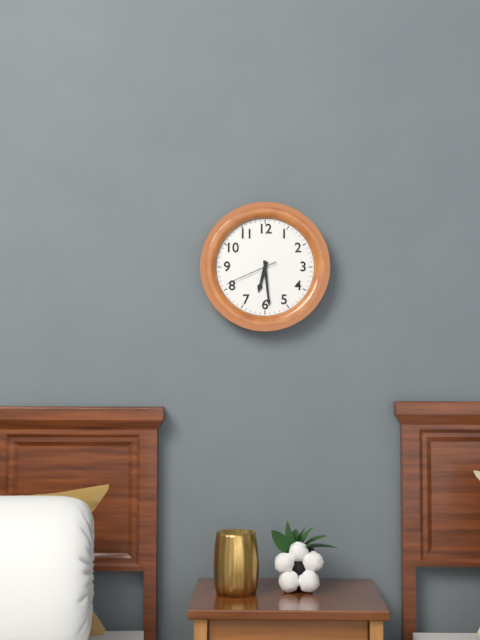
6:29:41
